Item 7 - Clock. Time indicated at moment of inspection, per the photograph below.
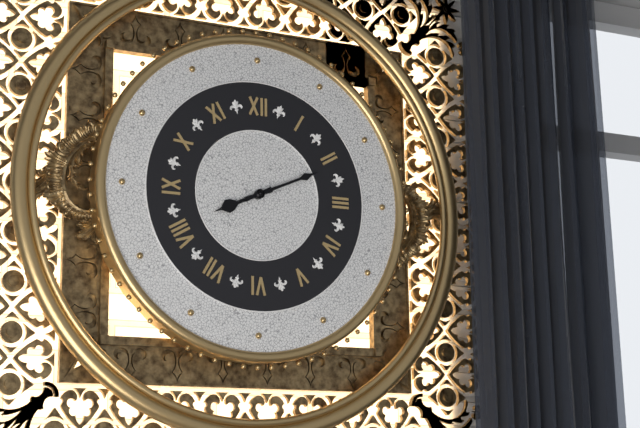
8:11
